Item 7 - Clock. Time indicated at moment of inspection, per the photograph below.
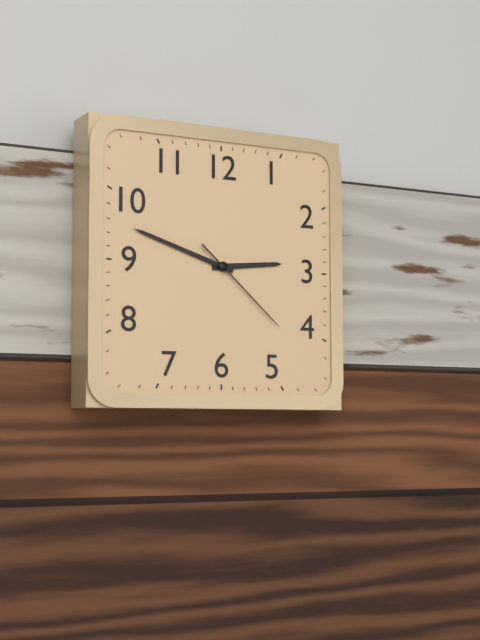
2:48:22
